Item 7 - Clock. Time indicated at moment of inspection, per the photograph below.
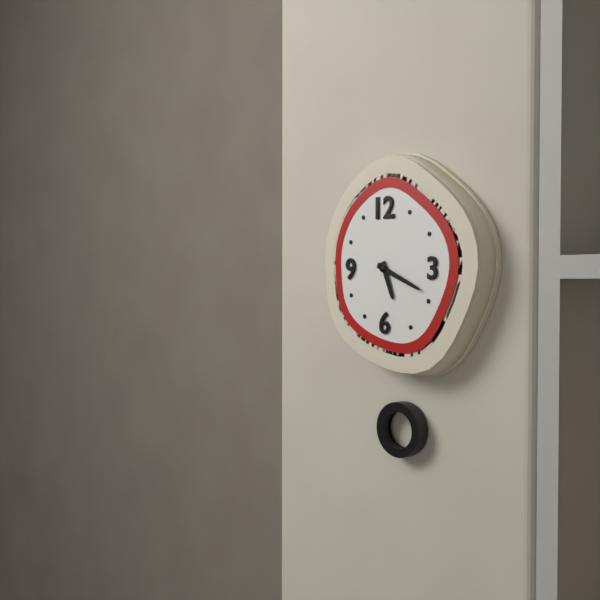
5:19
